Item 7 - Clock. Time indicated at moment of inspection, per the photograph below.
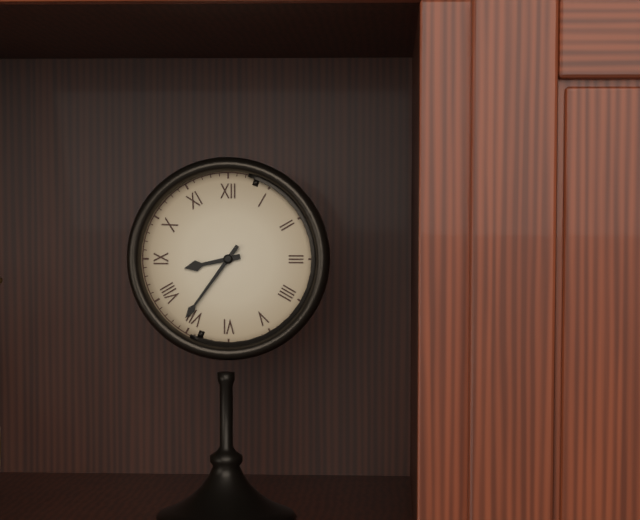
8:36
